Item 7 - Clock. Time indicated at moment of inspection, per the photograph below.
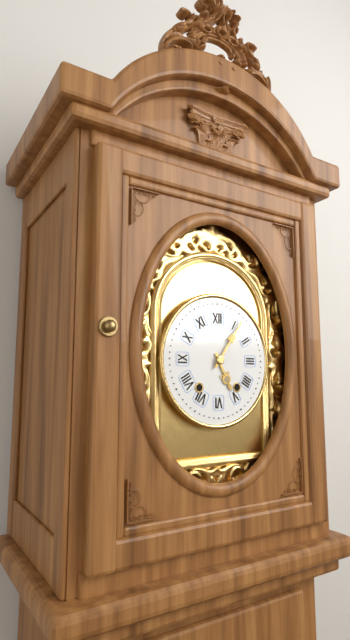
5:06
